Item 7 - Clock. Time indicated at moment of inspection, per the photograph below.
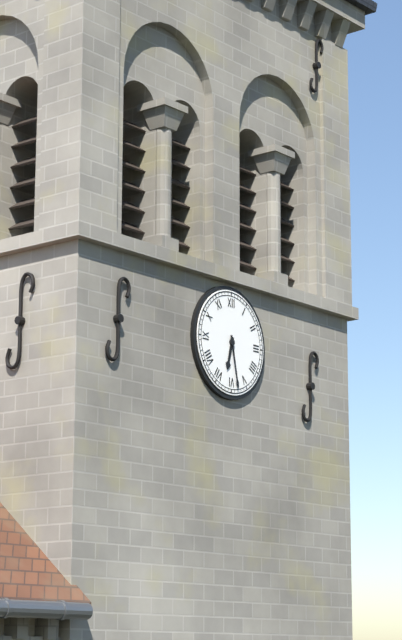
6:28
